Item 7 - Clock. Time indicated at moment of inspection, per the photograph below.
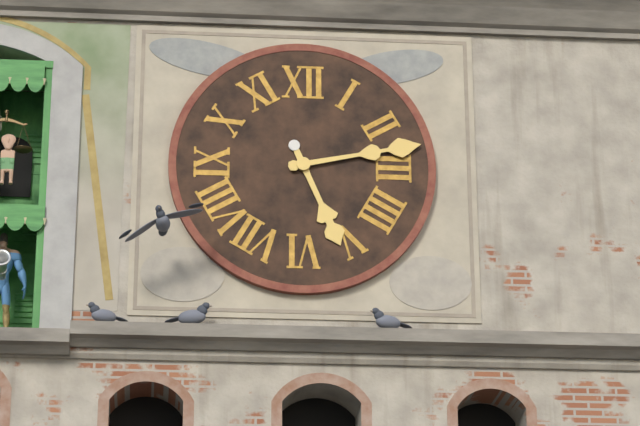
5:13
